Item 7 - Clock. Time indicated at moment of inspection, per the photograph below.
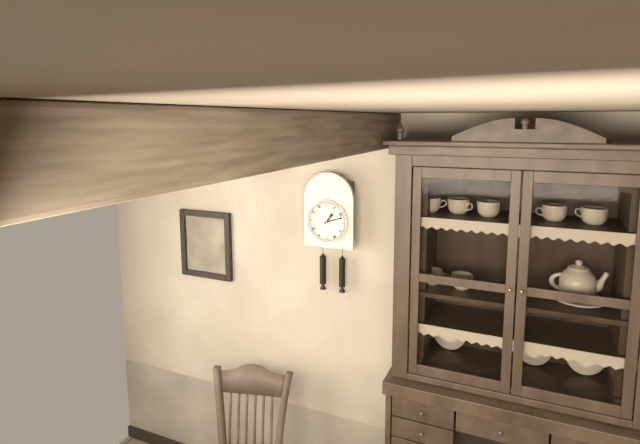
1:12
